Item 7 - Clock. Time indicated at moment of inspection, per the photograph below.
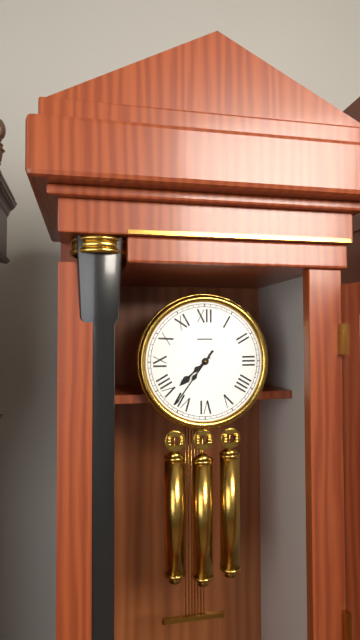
7:36
